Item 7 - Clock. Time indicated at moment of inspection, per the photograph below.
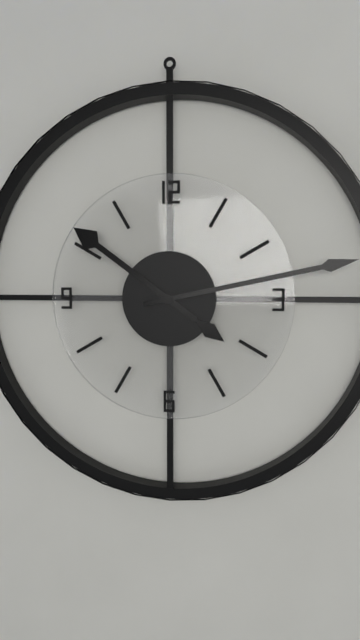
10:13
